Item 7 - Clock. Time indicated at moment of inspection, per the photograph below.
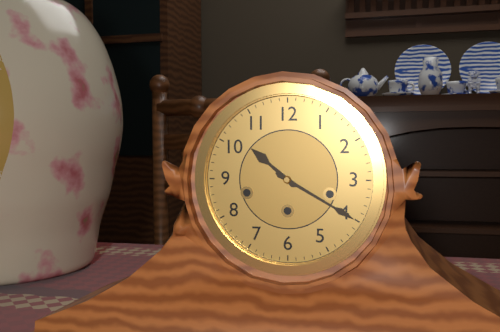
10:20
